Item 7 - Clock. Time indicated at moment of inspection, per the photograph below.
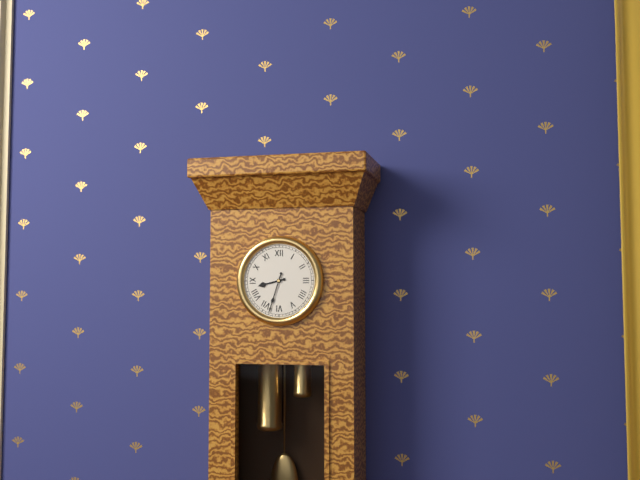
8:33
